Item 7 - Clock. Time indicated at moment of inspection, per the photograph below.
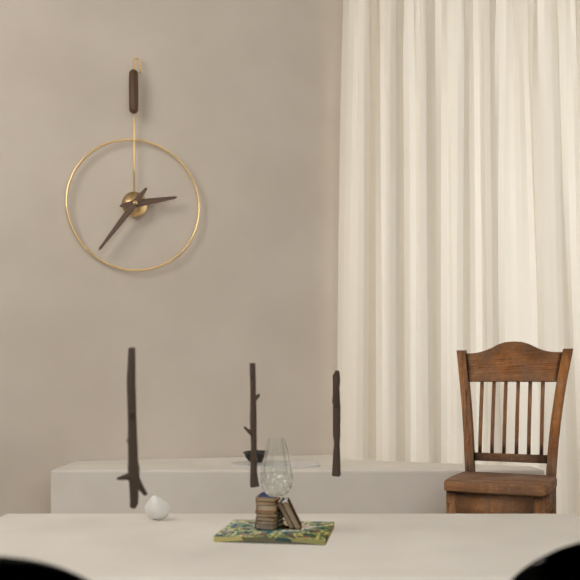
2:36
